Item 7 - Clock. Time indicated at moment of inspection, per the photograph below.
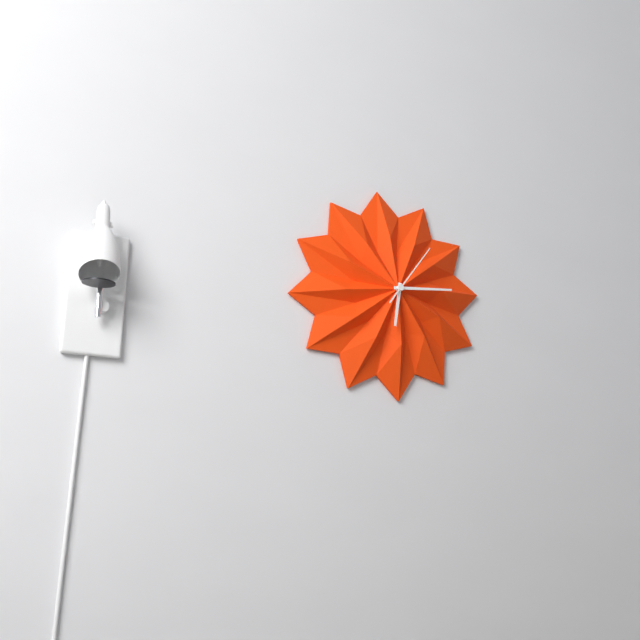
6:14:06
